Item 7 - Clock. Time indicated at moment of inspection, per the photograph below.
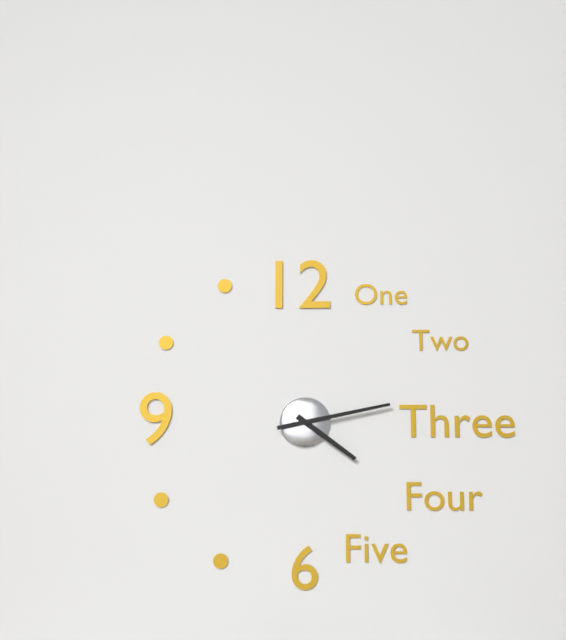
4:13
